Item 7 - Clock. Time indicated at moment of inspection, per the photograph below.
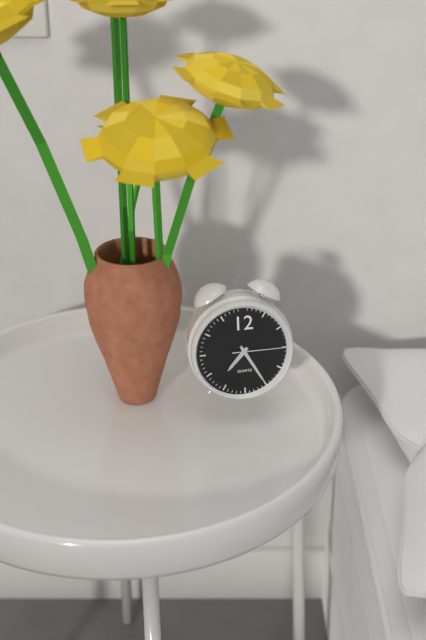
7:25:15
